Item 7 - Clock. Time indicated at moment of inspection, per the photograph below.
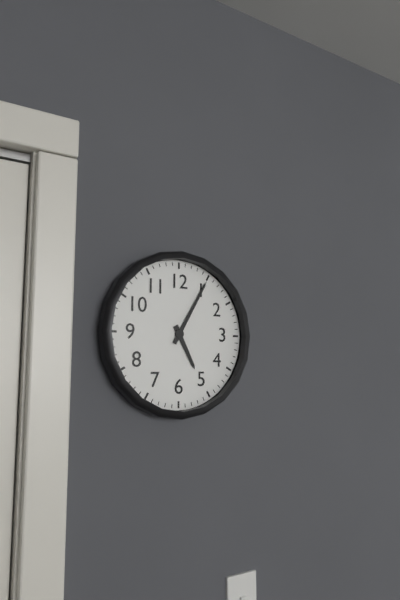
5:05
